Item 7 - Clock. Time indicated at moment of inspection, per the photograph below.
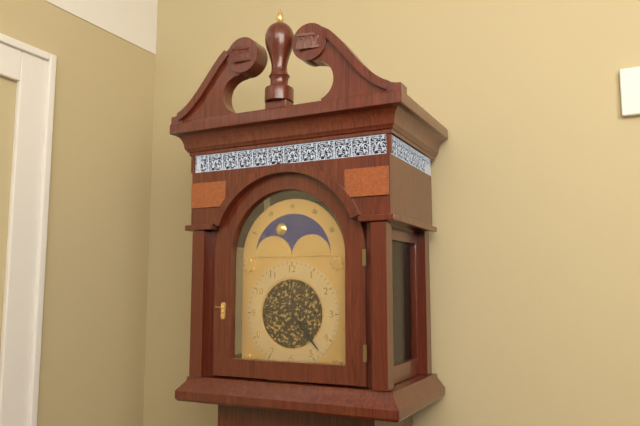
4:23
